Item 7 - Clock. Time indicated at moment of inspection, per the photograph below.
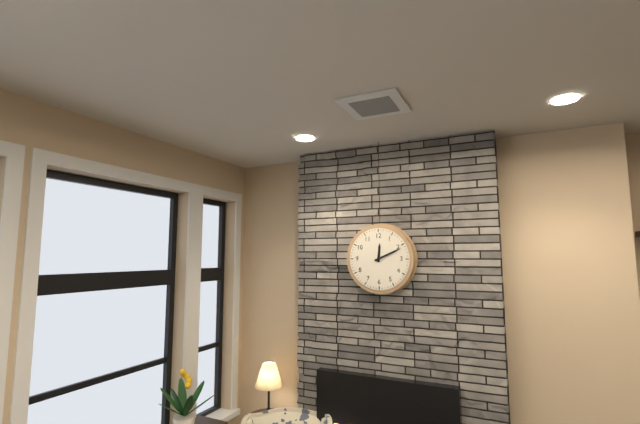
12:11
